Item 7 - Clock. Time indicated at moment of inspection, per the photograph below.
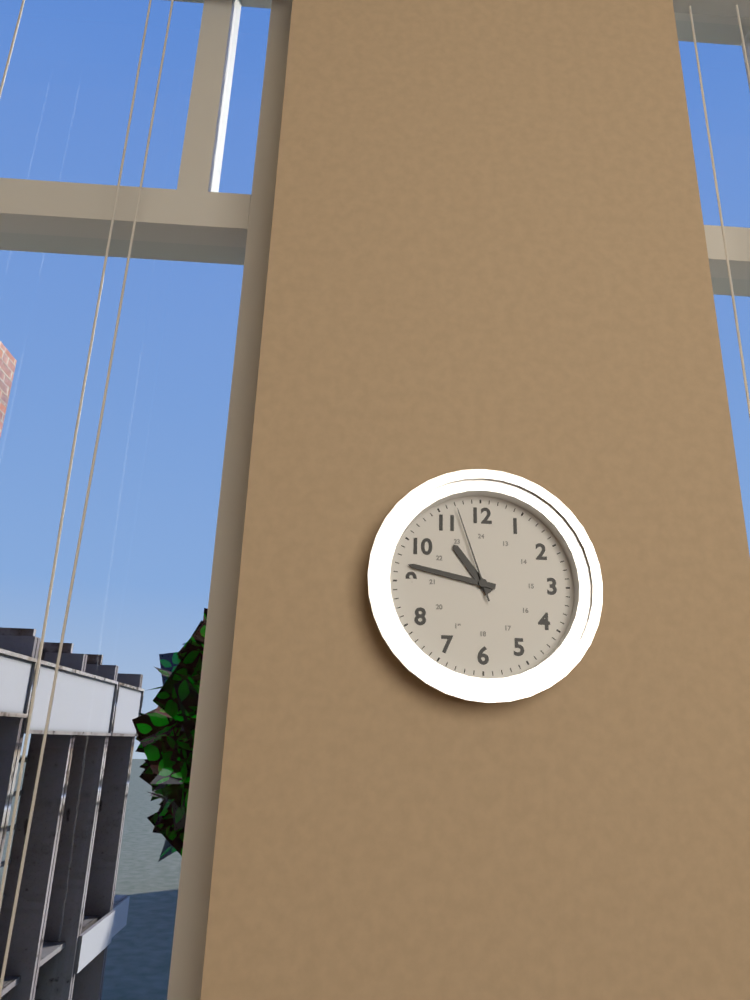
10:47:57
